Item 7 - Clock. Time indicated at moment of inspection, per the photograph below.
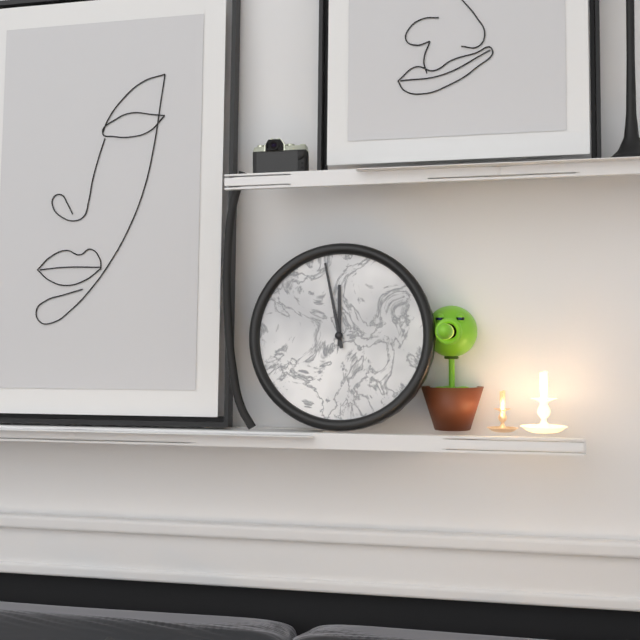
11:58
